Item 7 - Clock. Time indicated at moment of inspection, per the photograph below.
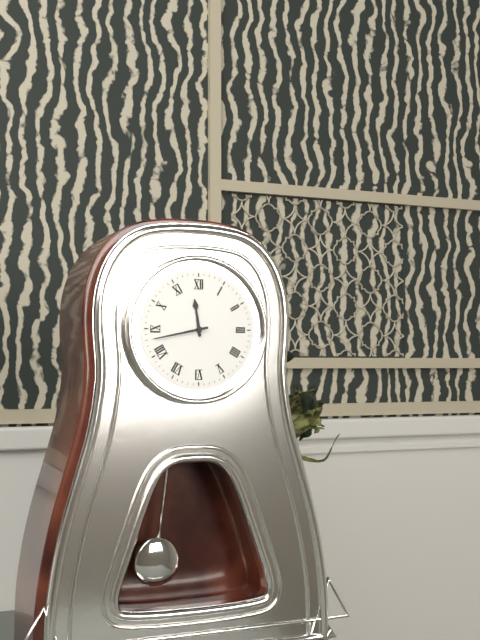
11:43
